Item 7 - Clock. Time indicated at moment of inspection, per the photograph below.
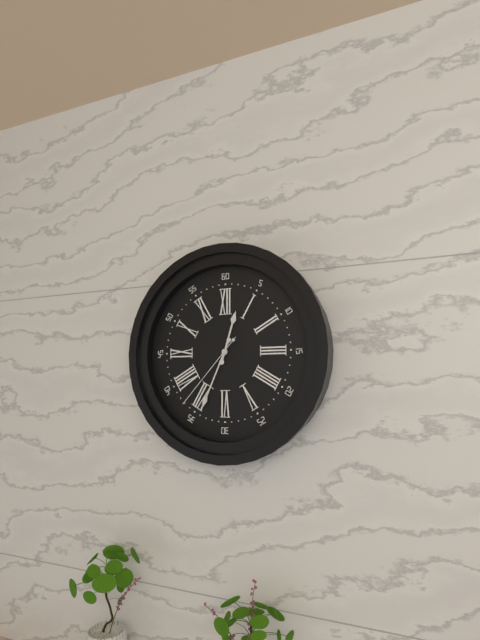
12:34:37
